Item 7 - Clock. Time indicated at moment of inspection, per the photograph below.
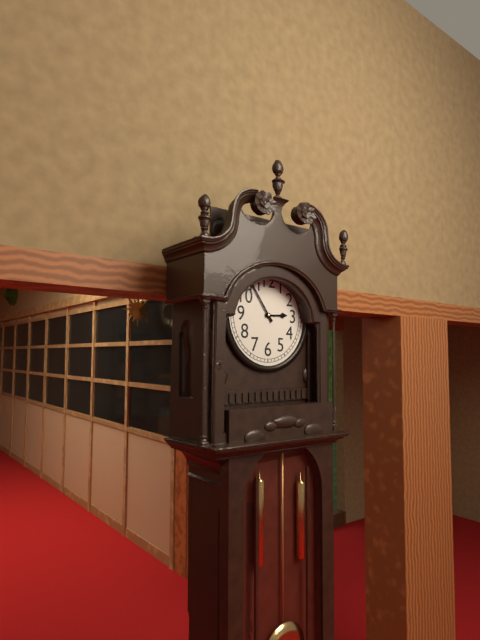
2:54
